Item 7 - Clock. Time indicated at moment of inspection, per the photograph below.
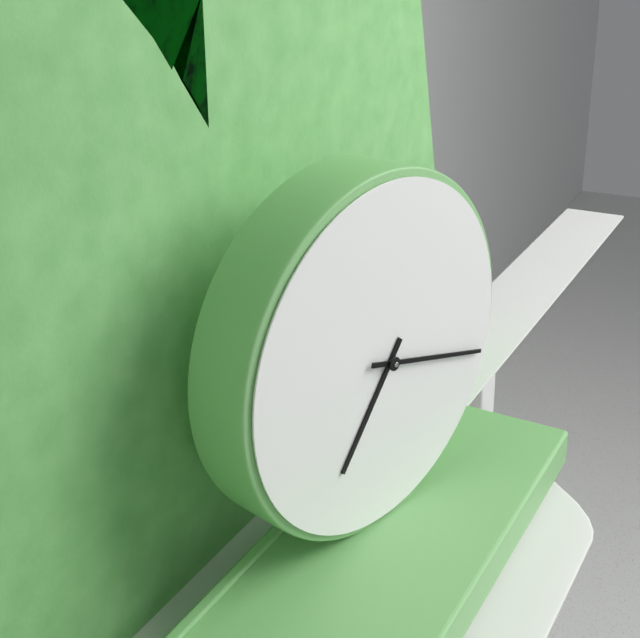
7:18
